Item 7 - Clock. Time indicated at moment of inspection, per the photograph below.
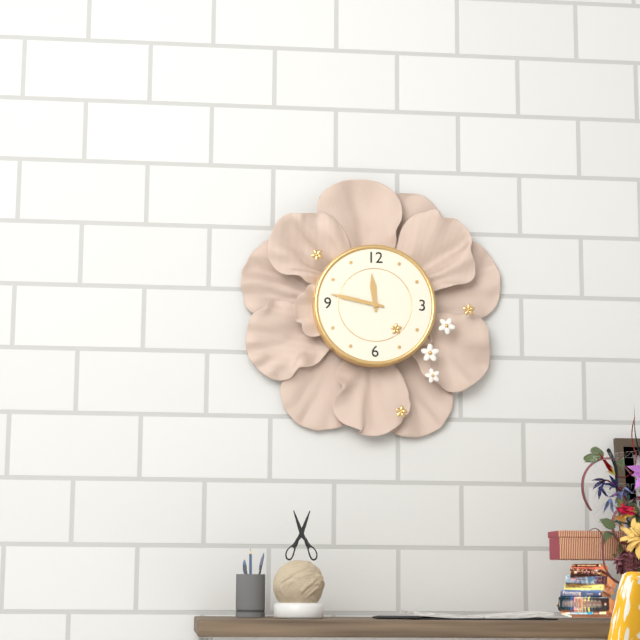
11:47
